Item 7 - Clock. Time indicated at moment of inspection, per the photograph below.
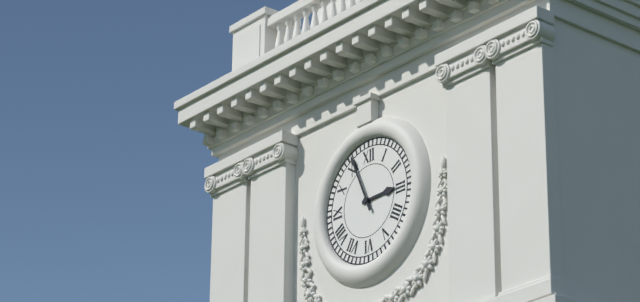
2:56
